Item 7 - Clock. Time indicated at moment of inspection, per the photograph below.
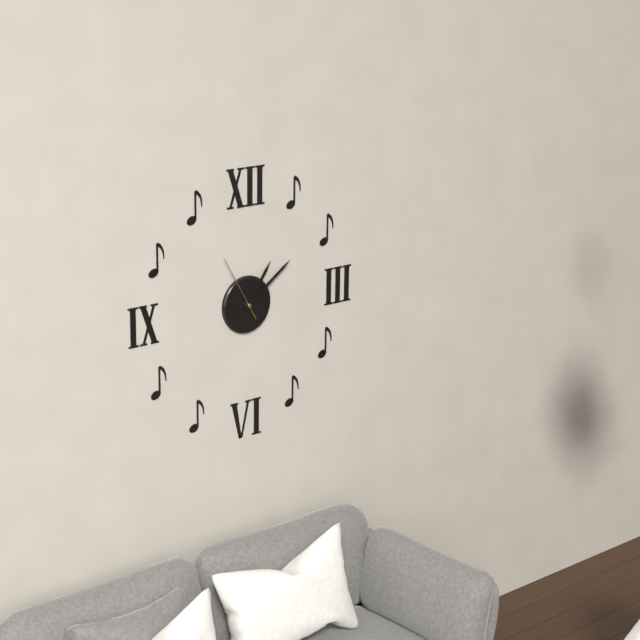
1:09:55
